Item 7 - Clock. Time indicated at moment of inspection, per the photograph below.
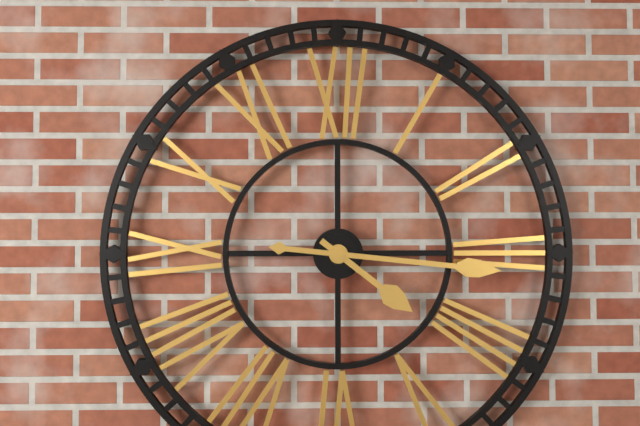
4:16
